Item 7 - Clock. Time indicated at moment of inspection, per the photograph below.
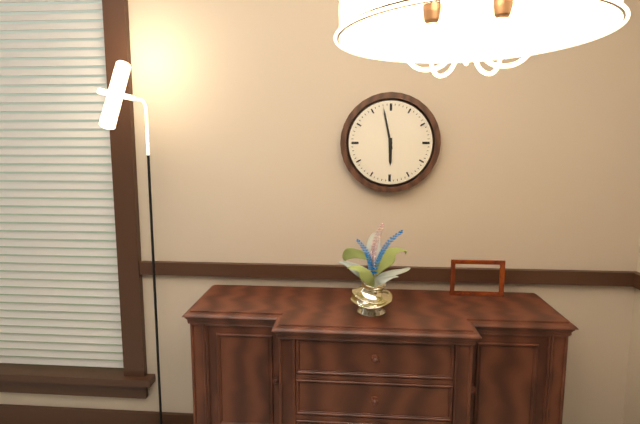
5:58
